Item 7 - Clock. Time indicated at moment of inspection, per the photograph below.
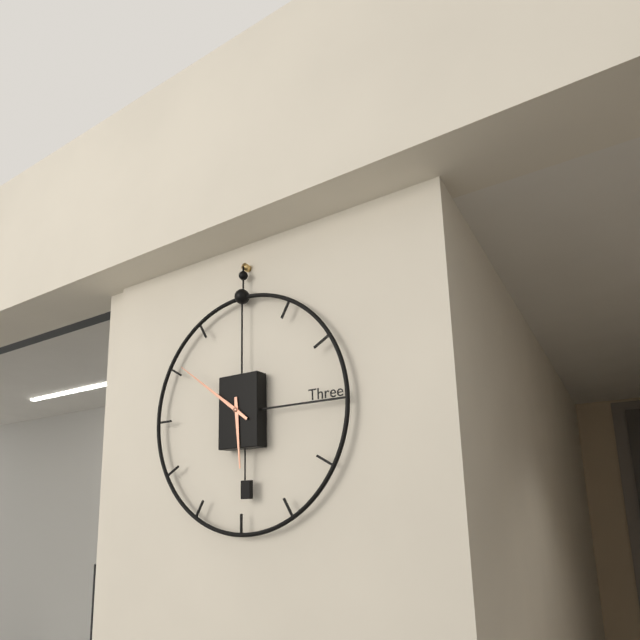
5:51
